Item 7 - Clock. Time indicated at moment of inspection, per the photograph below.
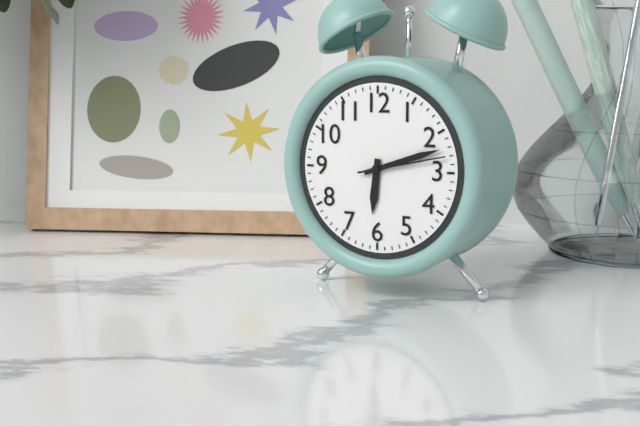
6:12:13
